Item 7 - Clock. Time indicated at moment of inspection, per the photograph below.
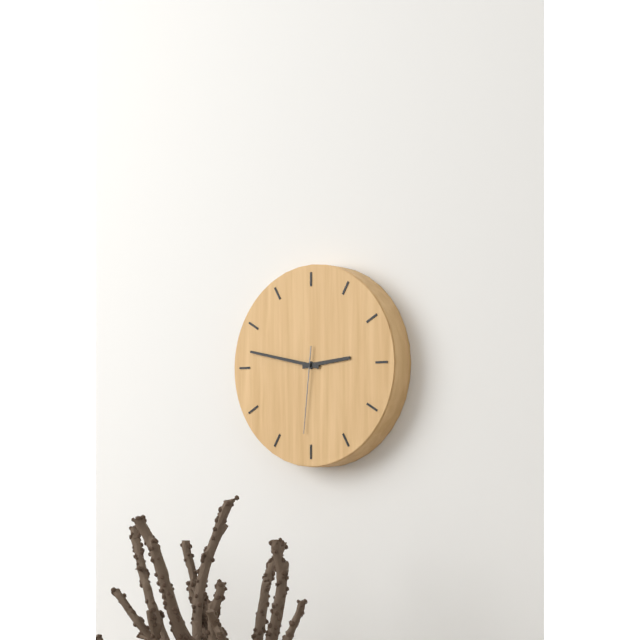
2:47:31
